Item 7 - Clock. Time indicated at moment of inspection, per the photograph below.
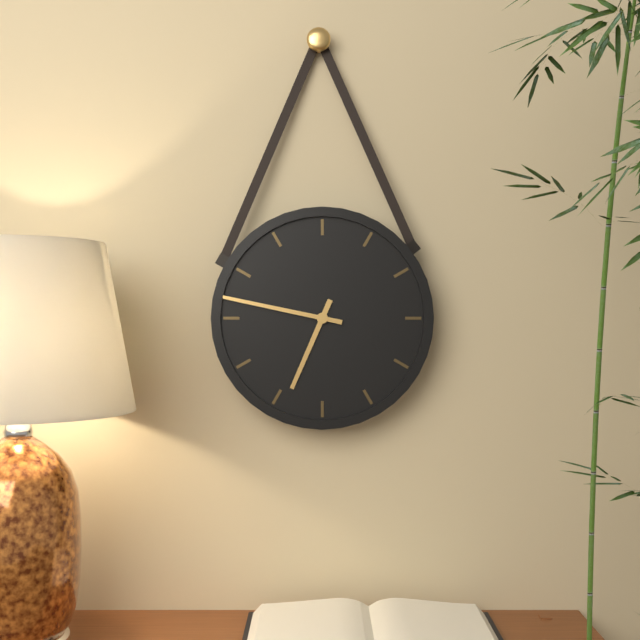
6:47
